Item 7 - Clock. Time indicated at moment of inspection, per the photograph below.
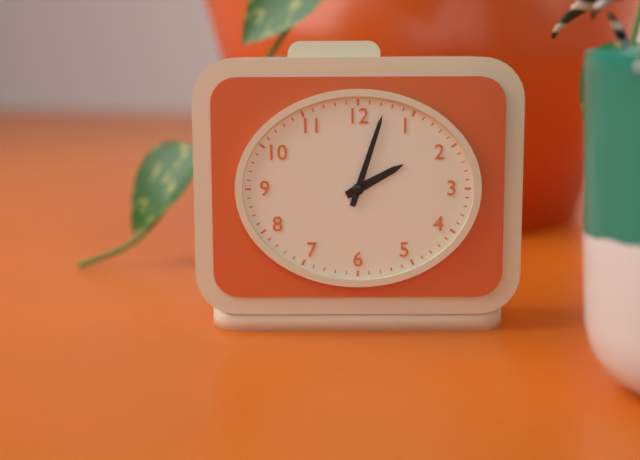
2:03
